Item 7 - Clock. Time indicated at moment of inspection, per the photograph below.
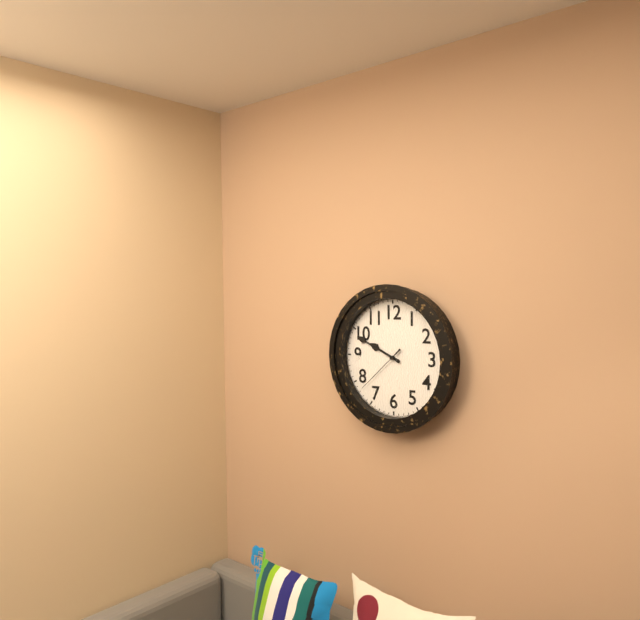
9:49:38
